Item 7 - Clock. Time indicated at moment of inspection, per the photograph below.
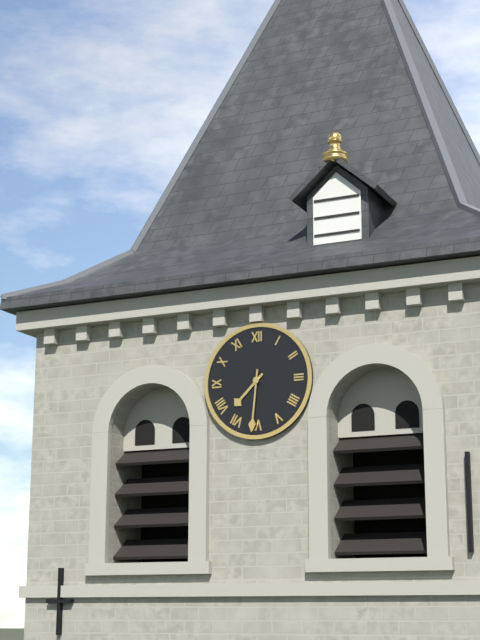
7:31
